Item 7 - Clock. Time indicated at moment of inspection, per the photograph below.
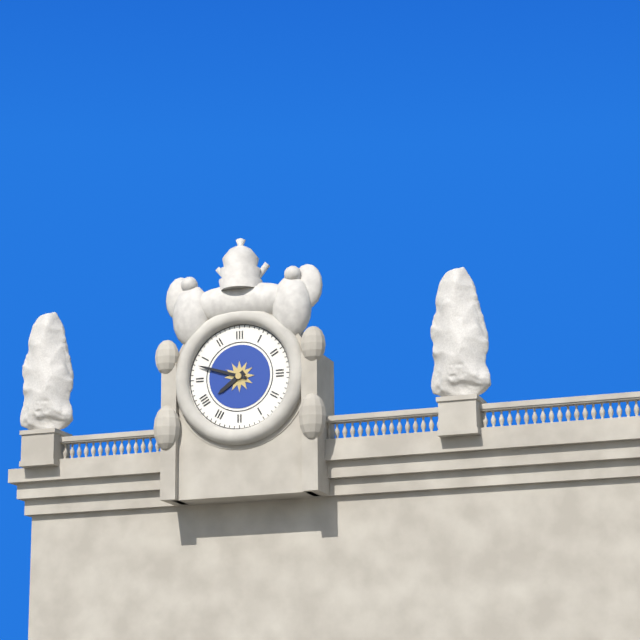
7:48
